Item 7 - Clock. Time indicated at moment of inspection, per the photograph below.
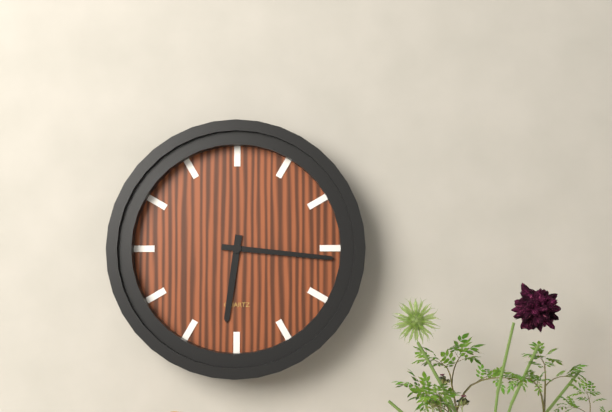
6:16
